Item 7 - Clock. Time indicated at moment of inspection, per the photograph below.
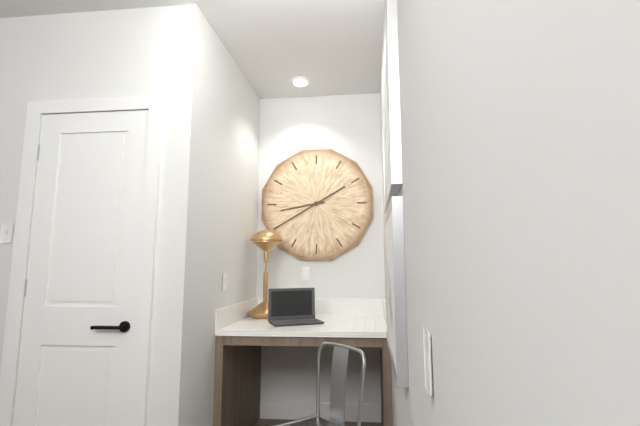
8:40
